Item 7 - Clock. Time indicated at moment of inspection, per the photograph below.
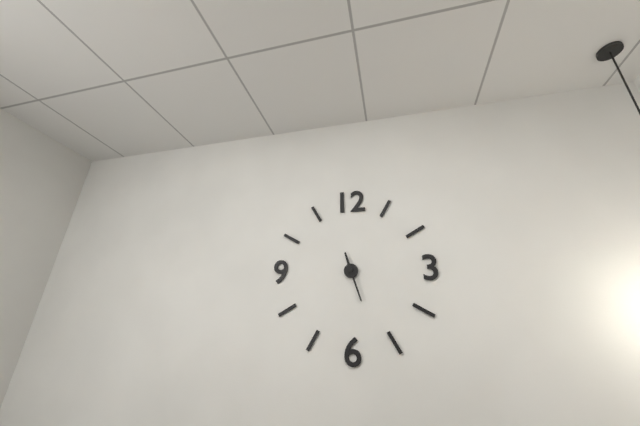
11:27
